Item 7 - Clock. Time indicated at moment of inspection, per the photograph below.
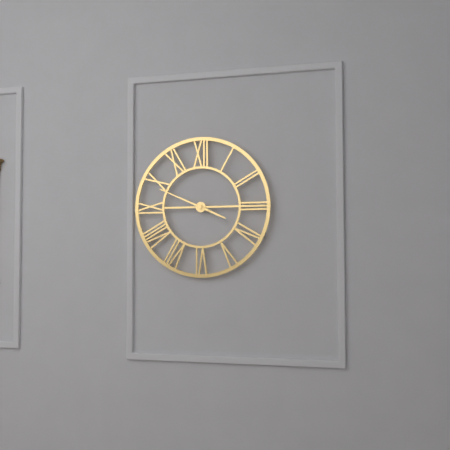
3:49
